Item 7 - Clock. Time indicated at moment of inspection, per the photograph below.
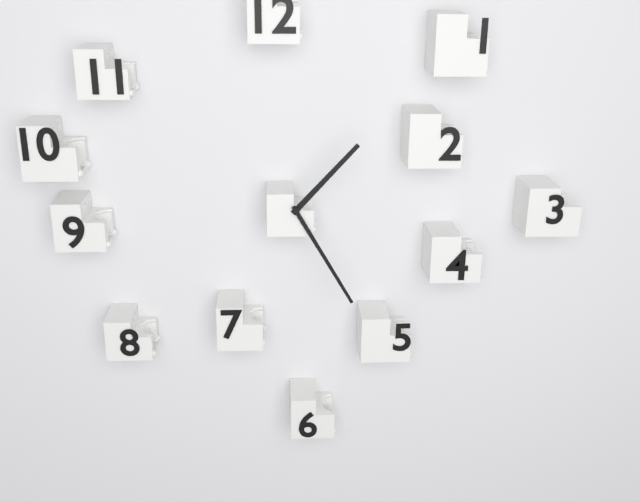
1:25
